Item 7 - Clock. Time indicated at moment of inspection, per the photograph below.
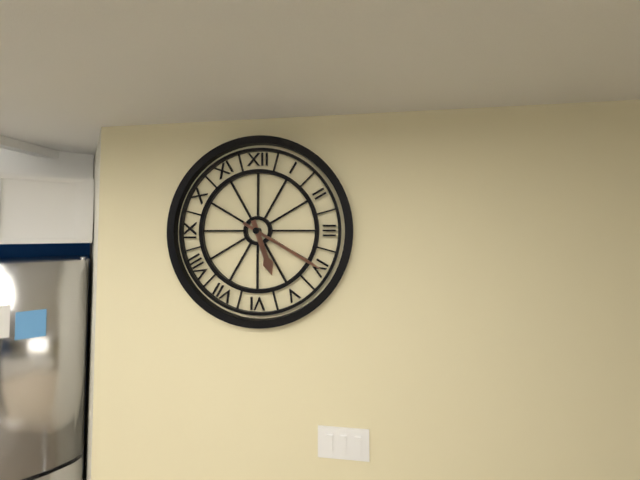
5:20
